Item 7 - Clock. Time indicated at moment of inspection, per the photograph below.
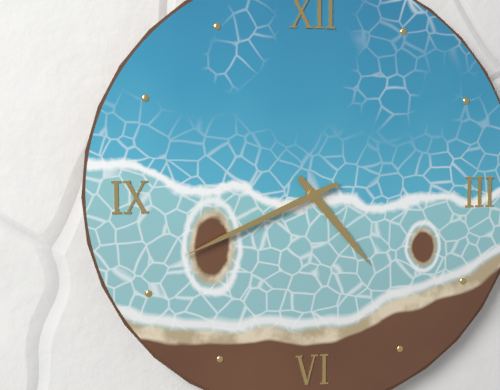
4:41
